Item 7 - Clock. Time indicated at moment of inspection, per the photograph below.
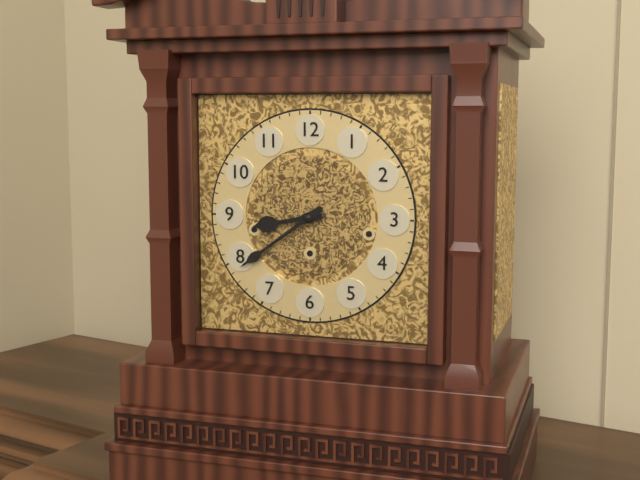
8:39
